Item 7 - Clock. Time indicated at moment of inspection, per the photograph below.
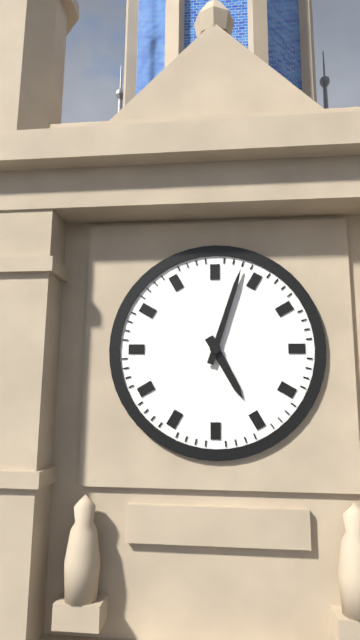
5:03
